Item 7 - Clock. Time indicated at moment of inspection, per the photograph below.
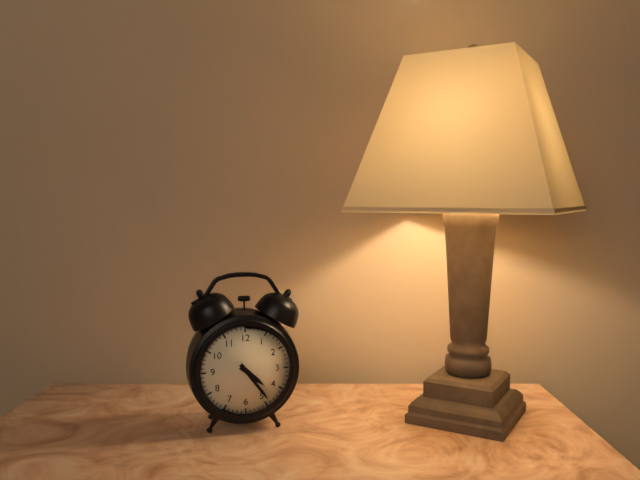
4:24
